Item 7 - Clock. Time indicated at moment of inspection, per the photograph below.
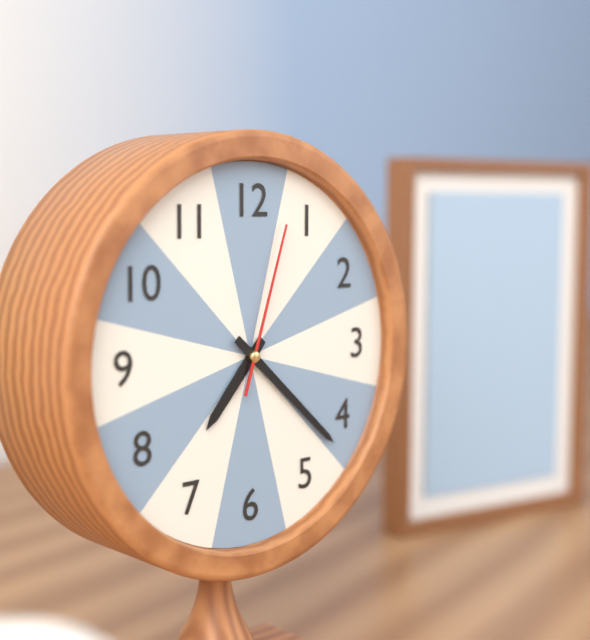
7:22:03
